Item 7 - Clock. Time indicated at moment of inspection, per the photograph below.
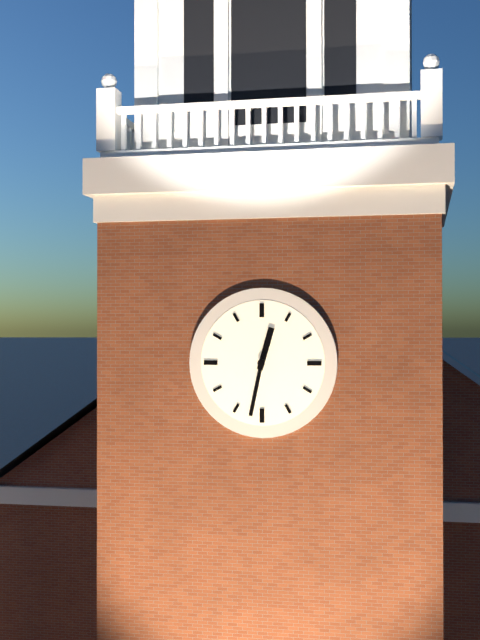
12:32
